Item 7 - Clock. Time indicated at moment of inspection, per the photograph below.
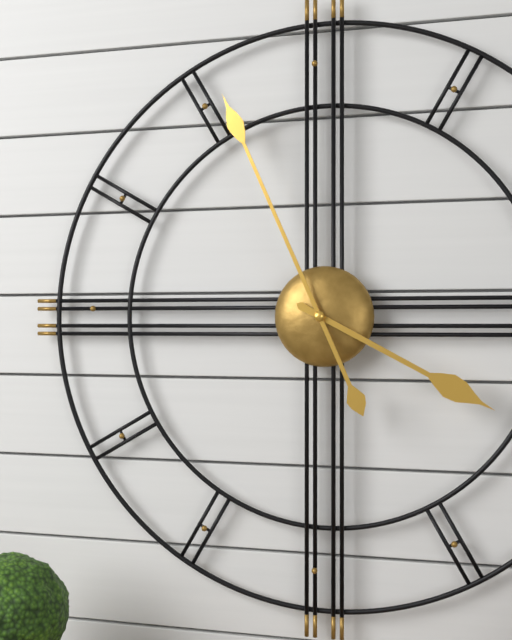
3:56
